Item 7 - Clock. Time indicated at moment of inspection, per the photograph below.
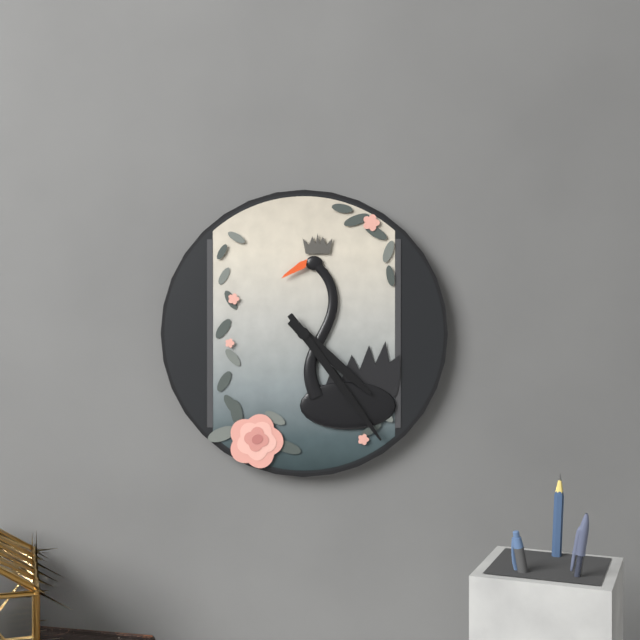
4:24
